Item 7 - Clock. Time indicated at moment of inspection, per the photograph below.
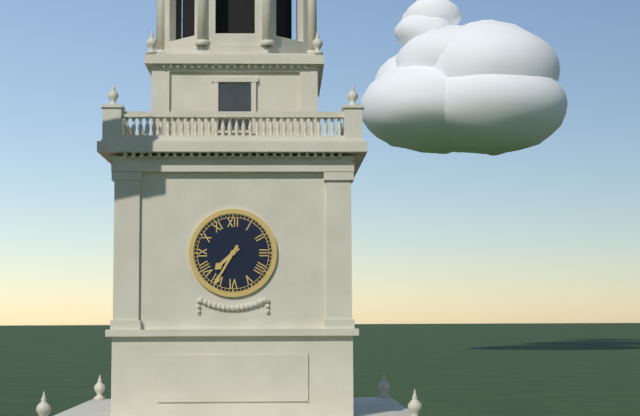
7:35
